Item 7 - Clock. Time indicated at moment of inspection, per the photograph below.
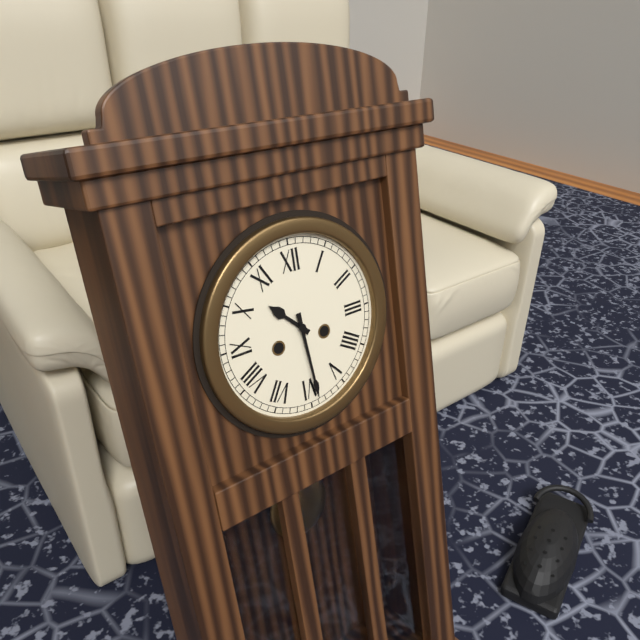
10:29
